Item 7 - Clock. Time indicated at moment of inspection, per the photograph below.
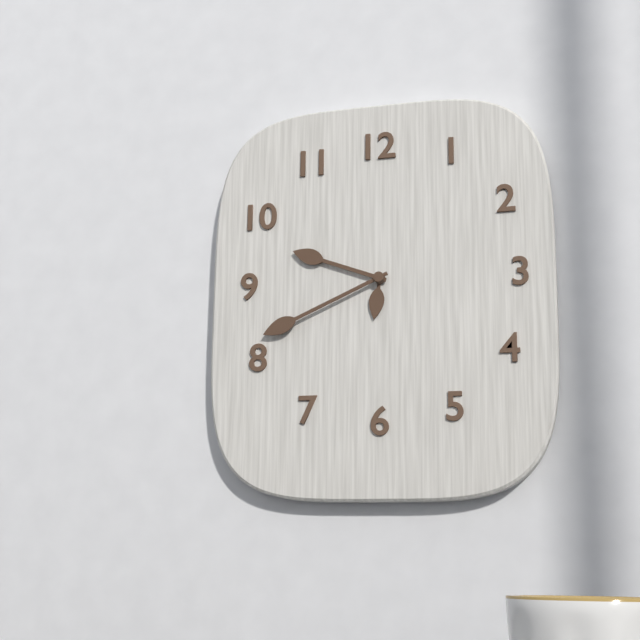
9:41
